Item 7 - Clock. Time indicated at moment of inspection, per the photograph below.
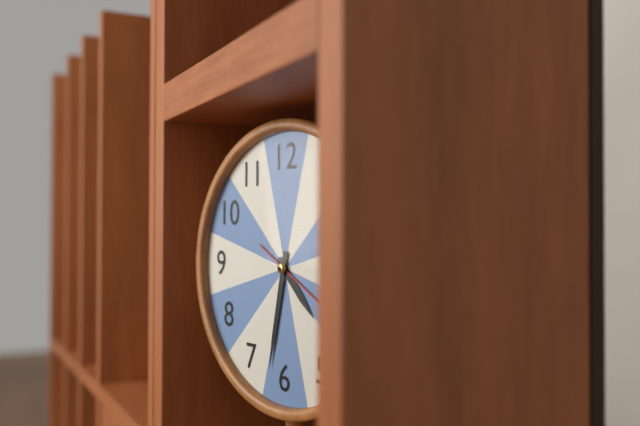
4:32
